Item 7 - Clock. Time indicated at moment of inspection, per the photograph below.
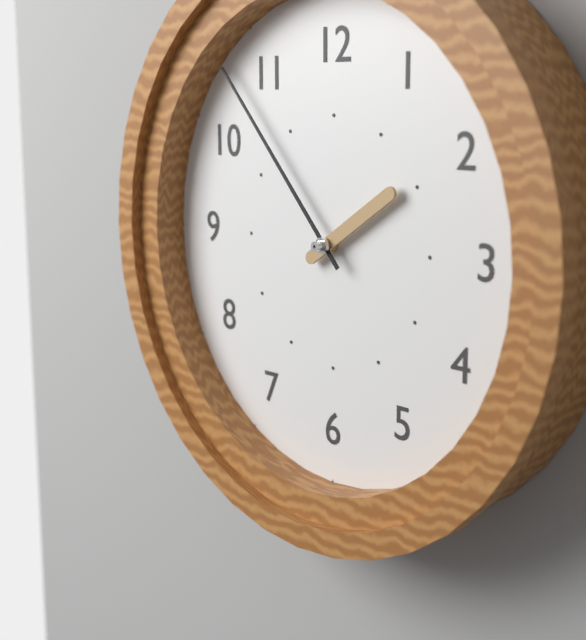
1:53
